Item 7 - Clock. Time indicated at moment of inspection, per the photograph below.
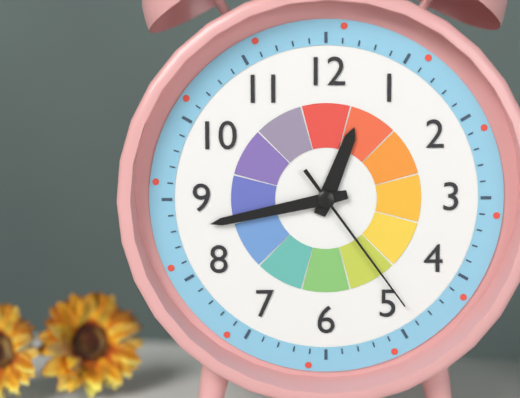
12:43:24
